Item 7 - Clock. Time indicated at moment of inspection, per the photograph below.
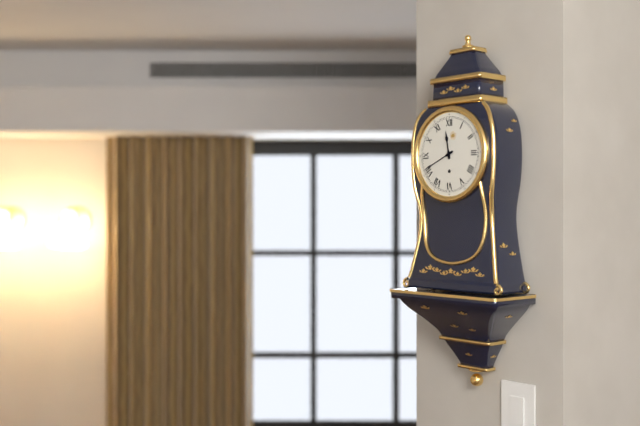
11:41
